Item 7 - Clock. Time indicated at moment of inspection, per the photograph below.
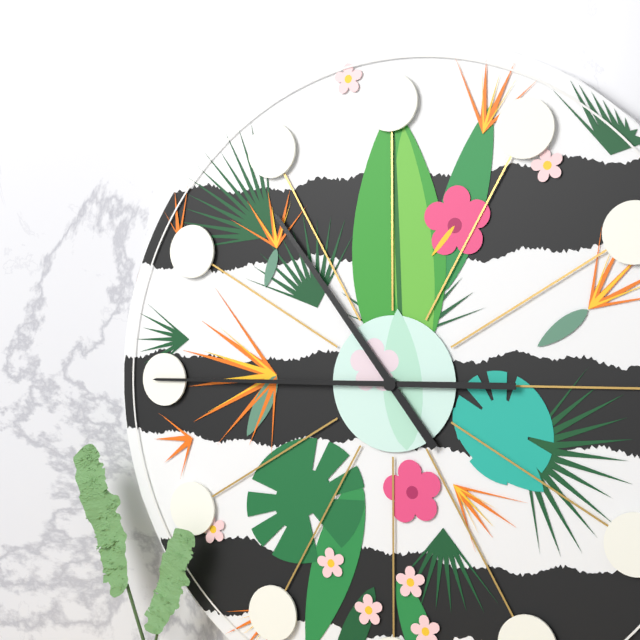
10:45
